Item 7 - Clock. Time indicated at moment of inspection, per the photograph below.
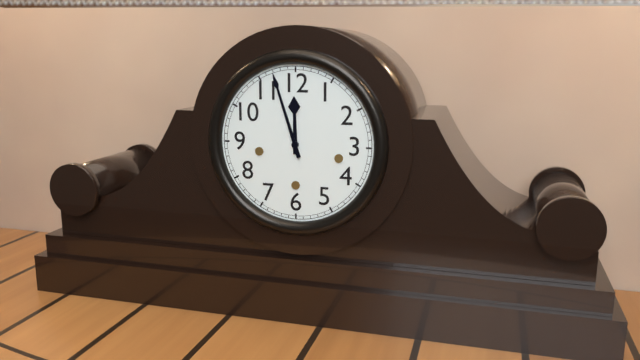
11:57
